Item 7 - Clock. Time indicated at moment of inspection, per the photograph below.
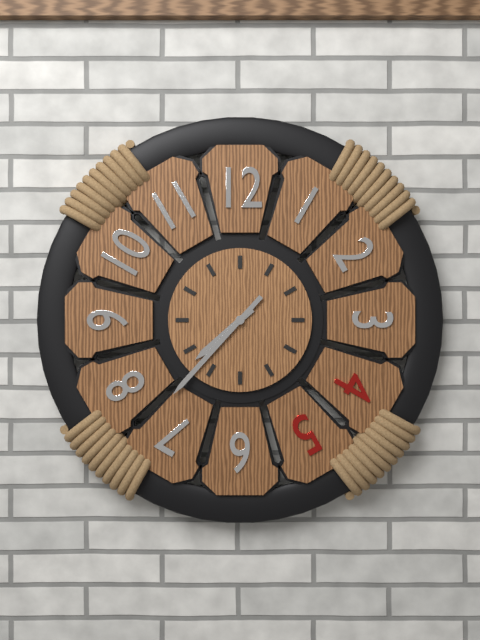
7:37
